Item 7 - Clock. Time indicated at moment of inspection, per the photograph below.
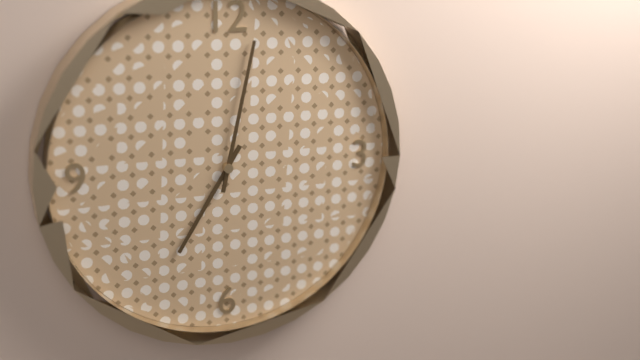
7:02
